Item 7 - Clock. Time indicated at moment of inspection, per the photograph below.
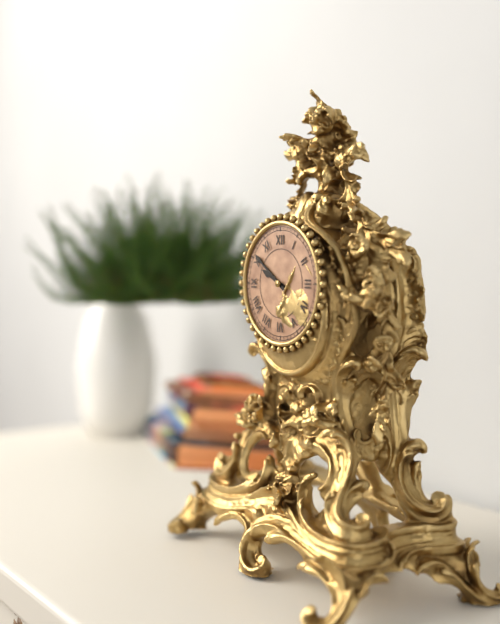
9:51
